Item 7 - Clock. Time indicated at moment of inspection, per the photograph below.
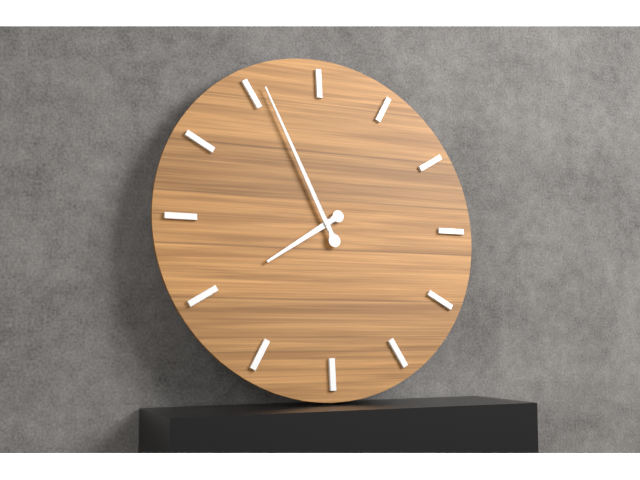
7:56
